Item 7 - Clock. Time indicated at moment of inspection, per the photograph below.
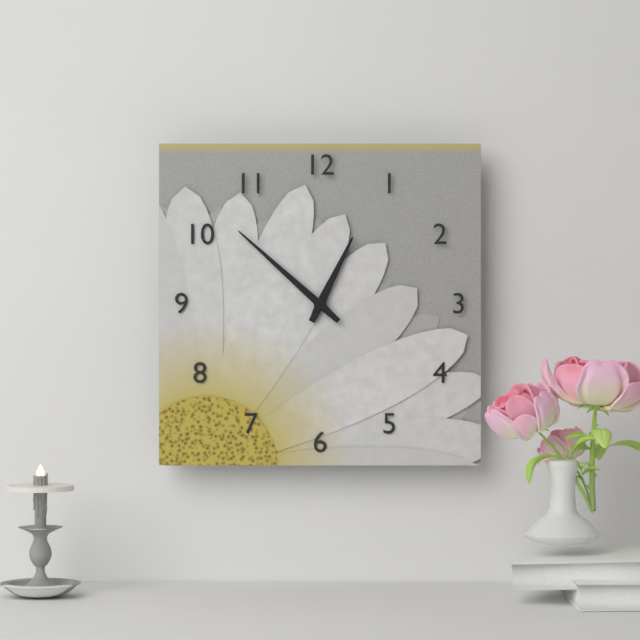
12:52
